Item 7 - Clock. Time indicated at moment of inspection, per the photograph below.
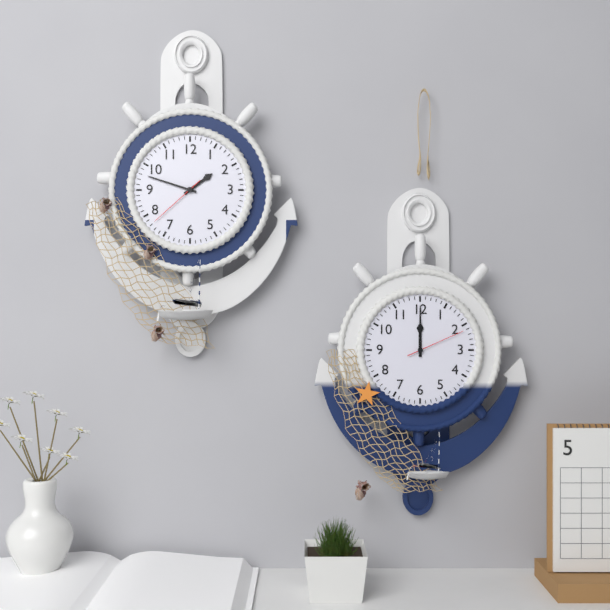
1:48:38
